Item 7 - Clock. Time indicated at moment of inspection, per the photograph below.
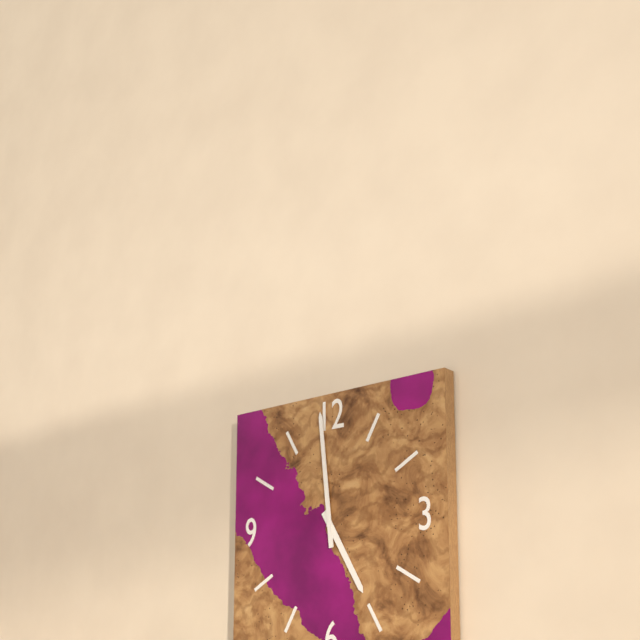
4:59
